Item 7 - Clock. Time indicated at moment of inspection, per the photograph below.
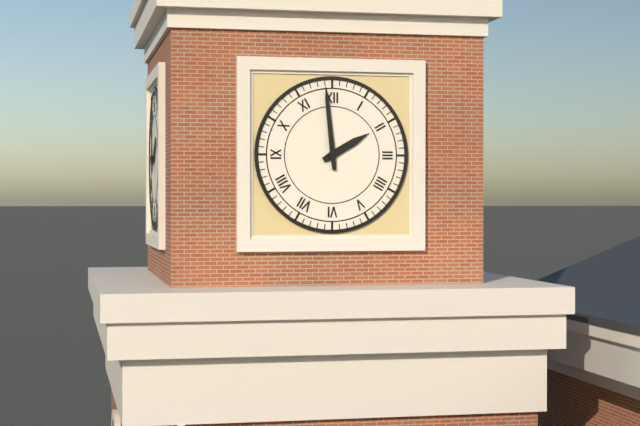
1:59
